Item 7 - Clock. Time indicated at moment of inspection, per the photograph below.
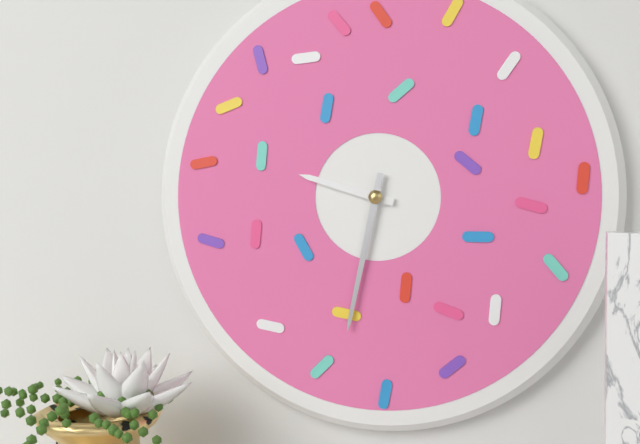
9:32
